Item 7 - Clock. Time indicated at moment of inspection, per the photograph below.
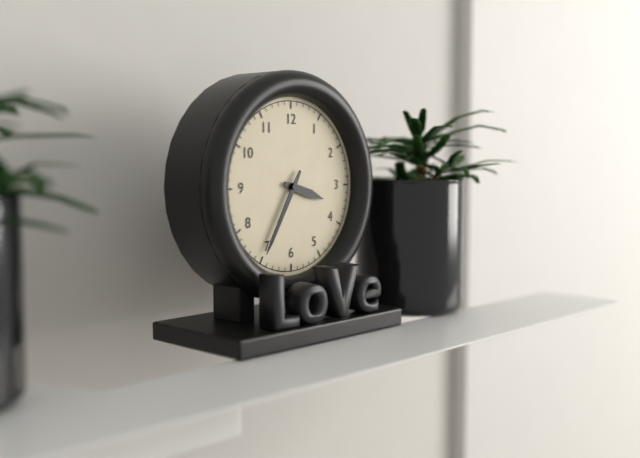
3:35
